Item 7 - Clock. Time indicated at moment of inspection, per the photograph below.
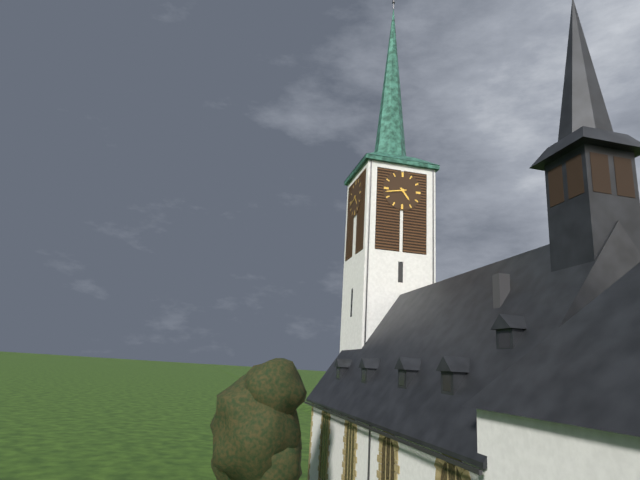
4:43
